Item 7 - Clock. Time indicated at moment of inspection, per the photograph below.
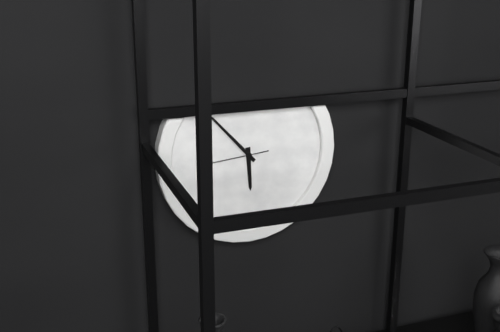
5:53:44
